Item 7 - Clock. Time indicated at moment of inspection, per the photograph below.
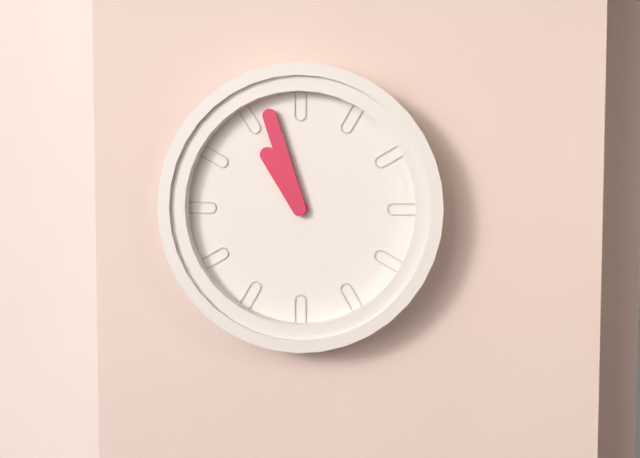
10:57
